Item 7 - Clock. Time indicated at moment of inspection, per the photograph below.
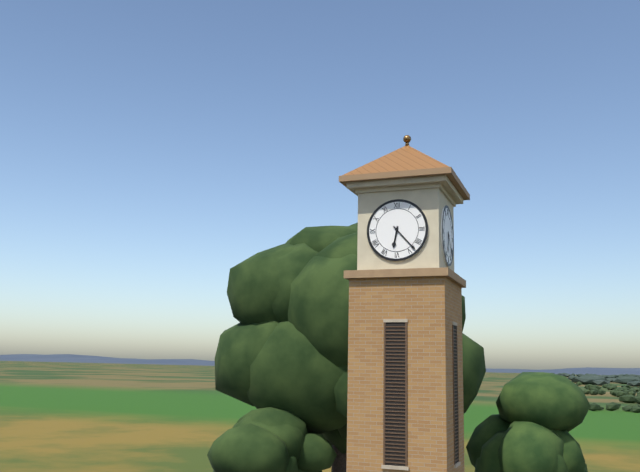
6:23
